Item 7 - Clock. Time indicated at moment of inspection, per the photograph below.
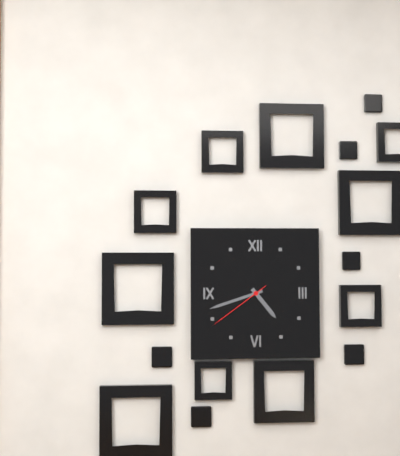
4:42:39
